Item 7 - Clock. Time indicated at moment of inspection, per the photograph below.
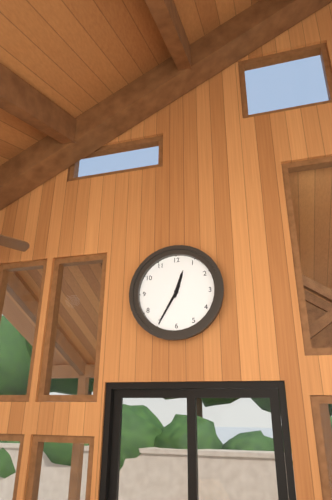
12:35
